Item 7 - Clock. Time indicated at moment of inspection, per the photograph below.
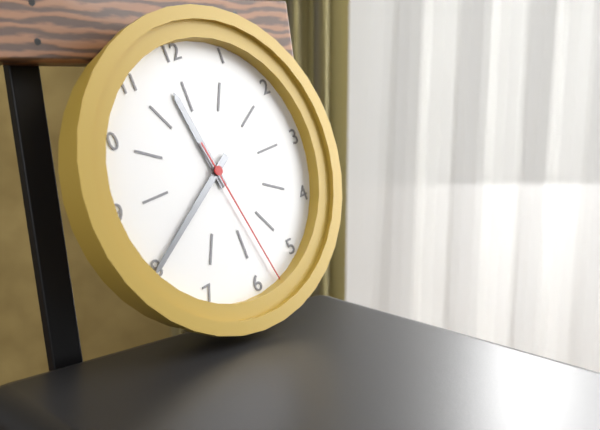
11:40:28
